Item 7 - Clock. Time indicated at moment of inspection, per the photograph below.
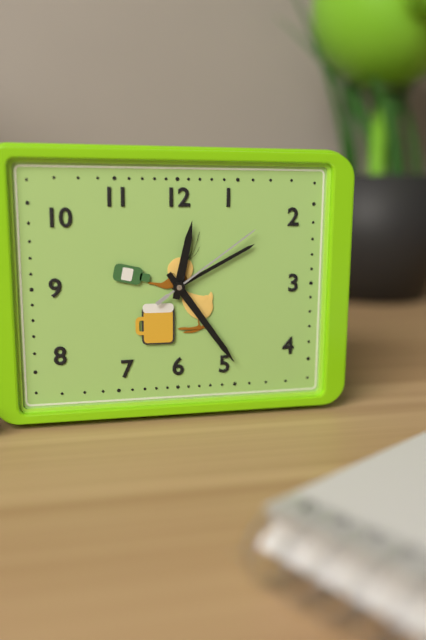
12:24:09
